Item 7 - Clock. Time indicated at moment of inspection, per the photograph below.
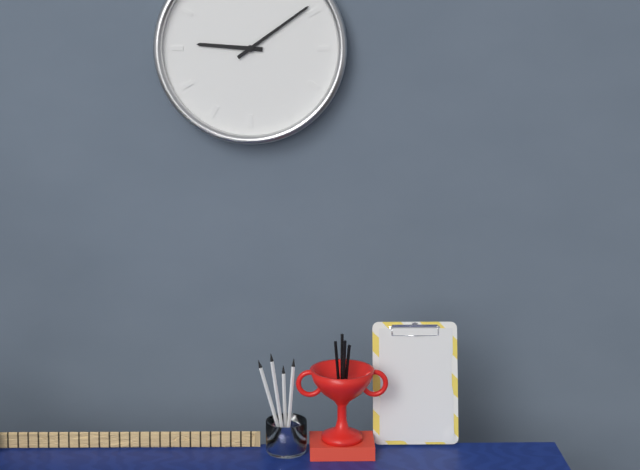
9:09
